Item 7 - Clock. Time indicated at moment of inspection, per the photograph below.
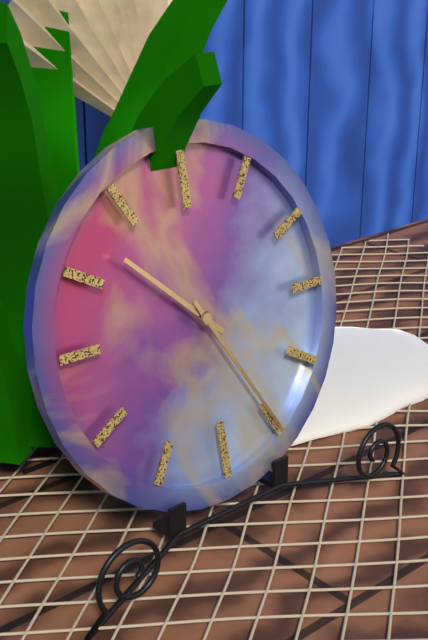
10:25
